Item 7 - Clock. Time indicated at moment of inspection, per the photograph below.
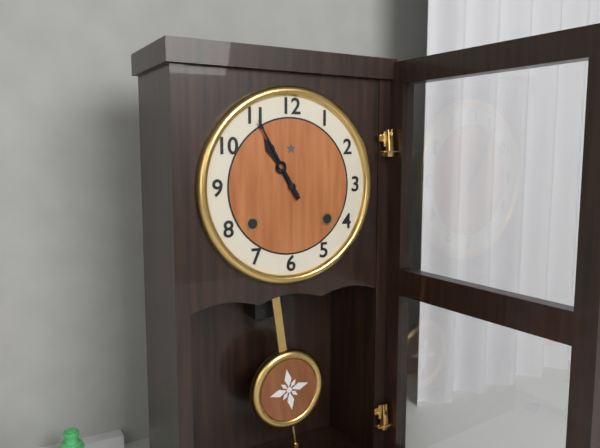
10:55
